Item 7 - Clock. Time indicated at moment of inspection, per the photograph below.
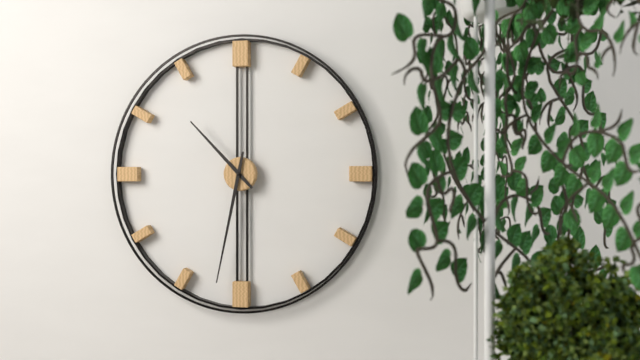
10:32
